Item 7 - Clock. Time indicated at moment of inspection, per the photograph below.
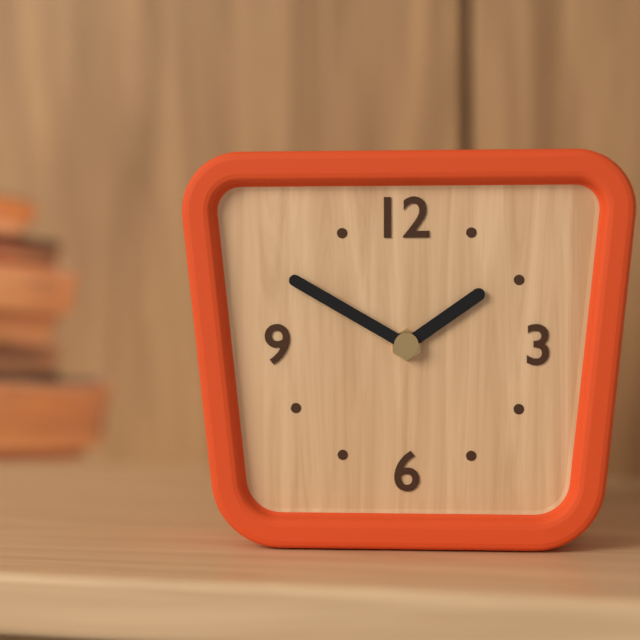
1:50
